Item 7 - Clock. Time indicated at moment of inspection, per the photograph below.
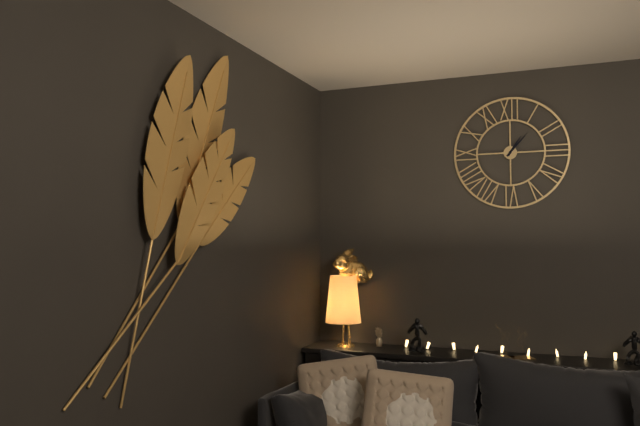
1:07
